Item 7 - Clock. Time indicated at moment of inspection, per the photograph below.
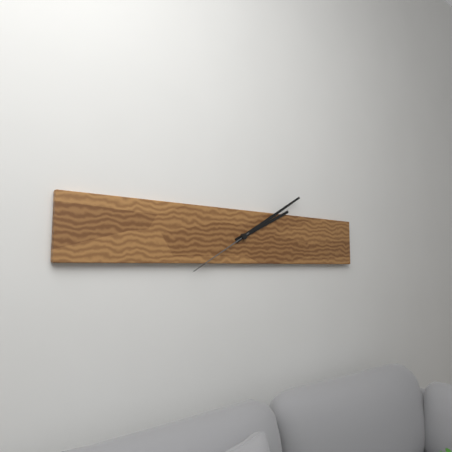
2:10:40
